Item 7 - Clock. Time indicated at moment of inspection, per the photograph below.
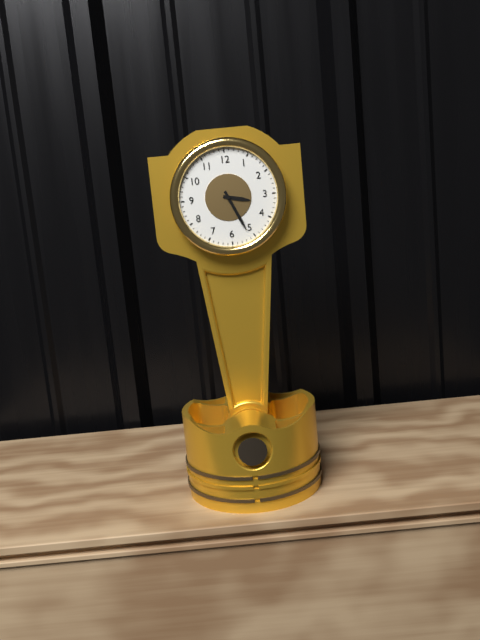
3:26
